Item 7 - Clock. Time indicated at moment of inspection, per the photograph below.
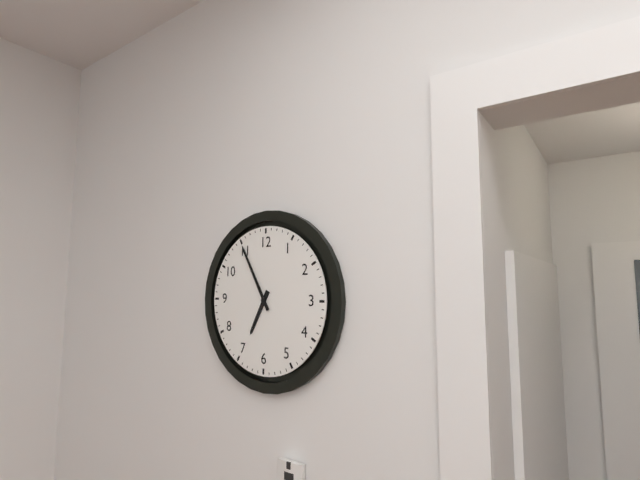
6:55
